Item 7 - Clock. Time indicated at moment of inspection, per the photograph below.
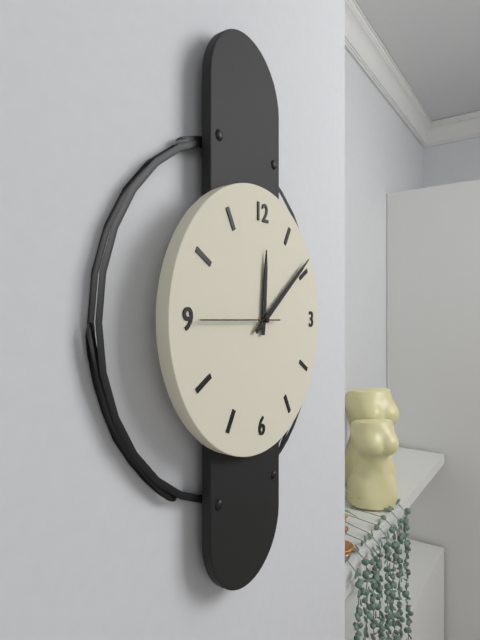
12:09:45
